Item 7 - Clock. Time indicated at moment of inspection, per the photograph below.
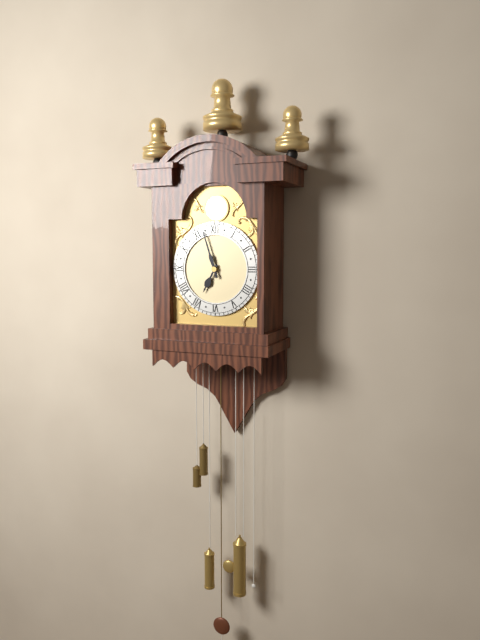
6:57
